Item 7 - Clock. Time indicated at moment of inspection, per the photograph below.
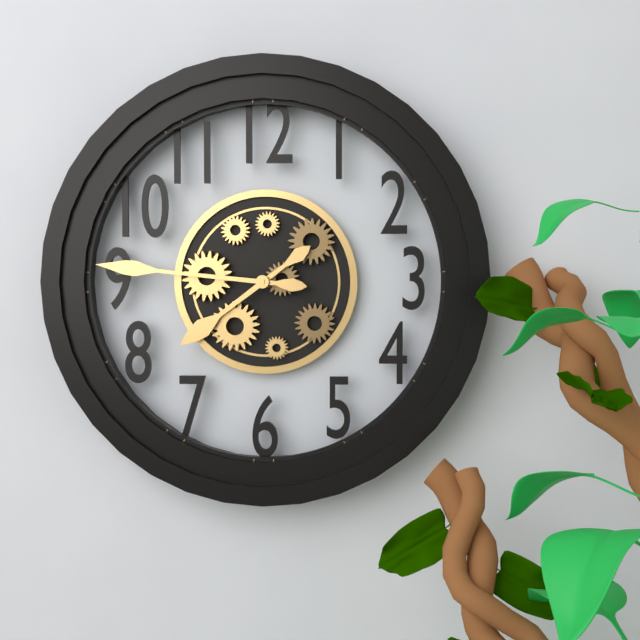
7:46
